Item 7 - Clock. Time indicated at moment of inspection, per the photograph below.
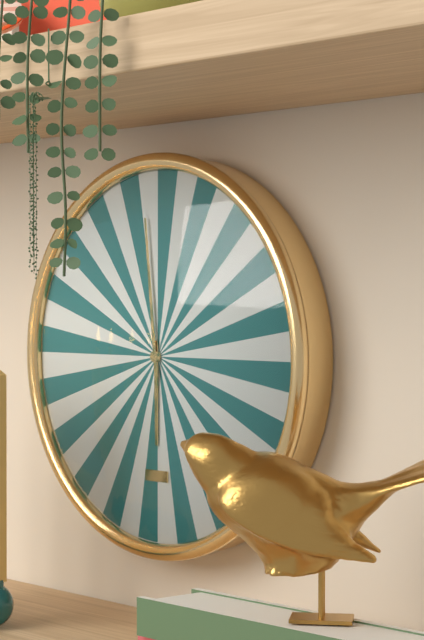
5:59
